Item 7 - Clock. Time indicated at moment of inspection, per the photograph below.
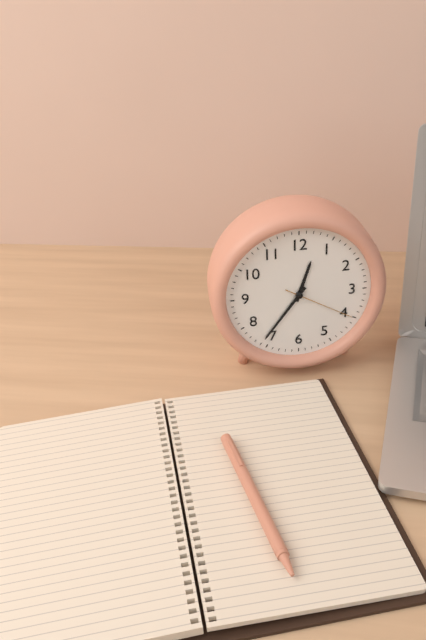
12:36:20
